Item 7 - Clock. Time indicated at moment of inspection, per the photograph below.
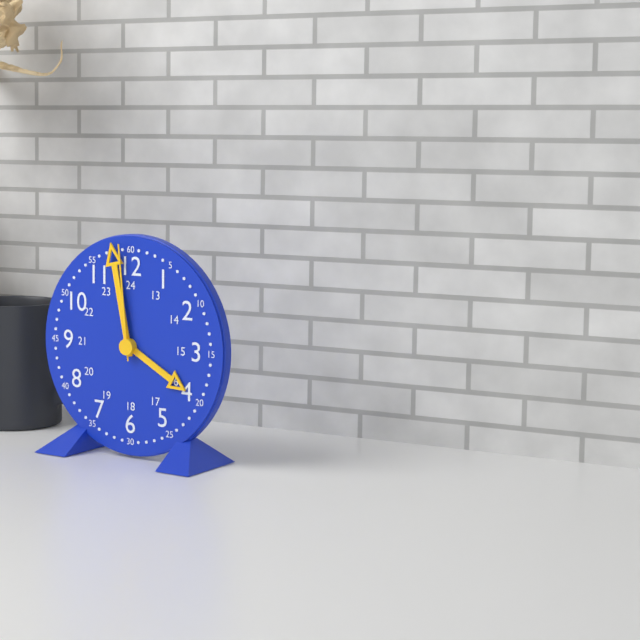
3:58:59
